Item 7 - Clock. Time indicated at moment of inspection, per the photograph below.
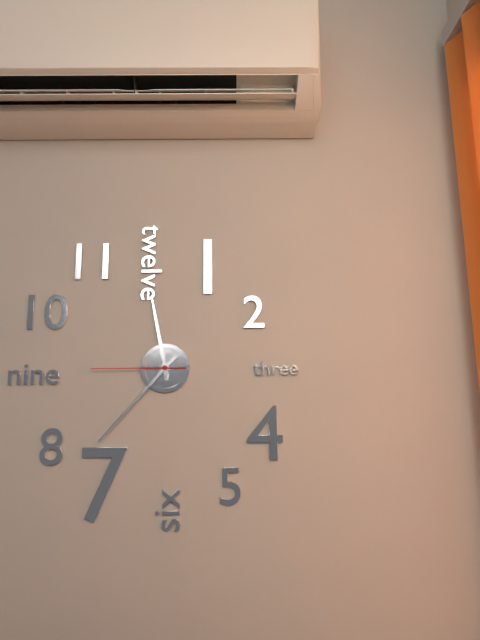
11:37:45
